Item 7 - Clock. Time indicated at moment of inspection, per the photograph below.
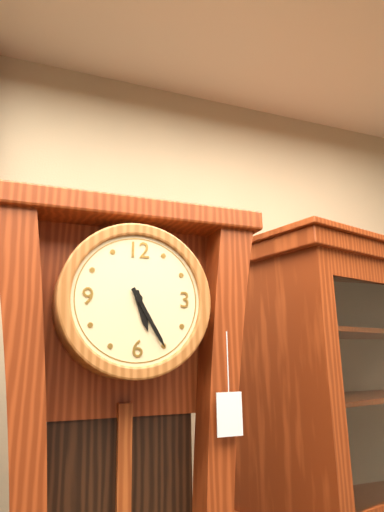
5:25
